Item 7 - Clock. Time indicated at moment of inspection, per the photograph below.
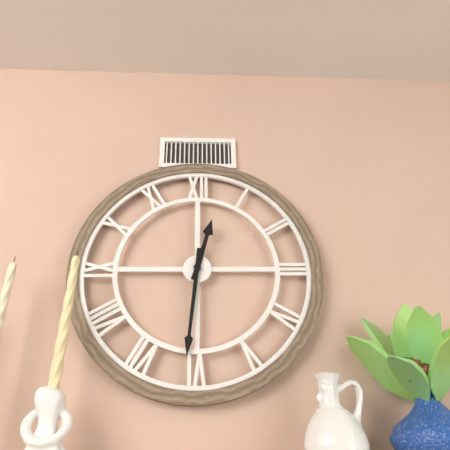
12:31
